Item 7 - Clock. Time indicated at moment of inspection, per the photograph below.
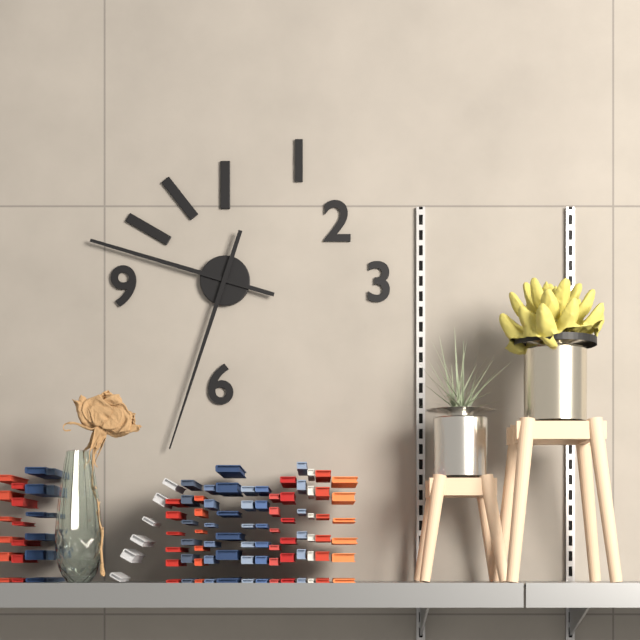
9:33
